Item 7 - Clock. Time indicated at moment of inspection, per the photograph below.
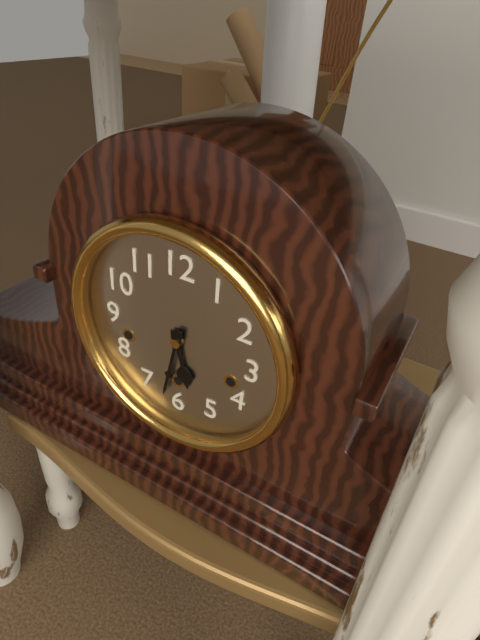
5:32
